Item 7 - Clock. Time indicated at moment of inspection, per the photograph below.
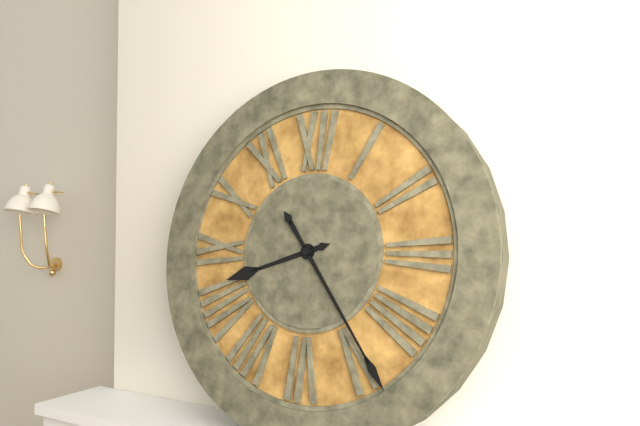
8:24
